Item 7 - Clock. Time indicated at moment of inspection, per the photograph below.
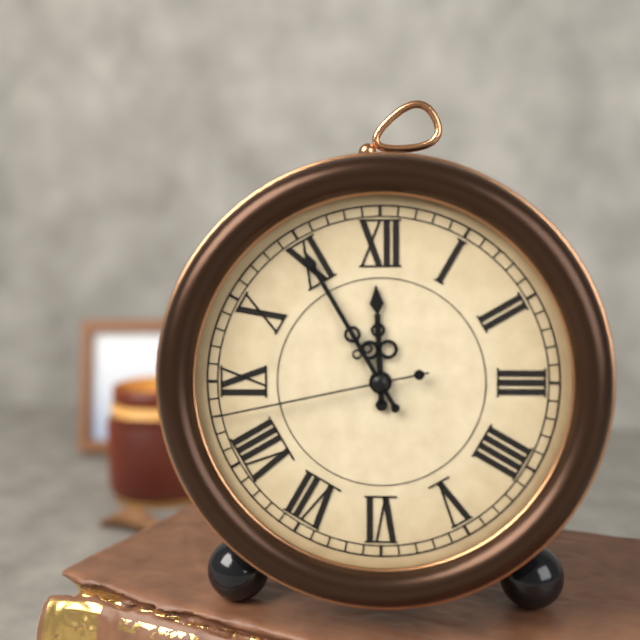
11:55:43
